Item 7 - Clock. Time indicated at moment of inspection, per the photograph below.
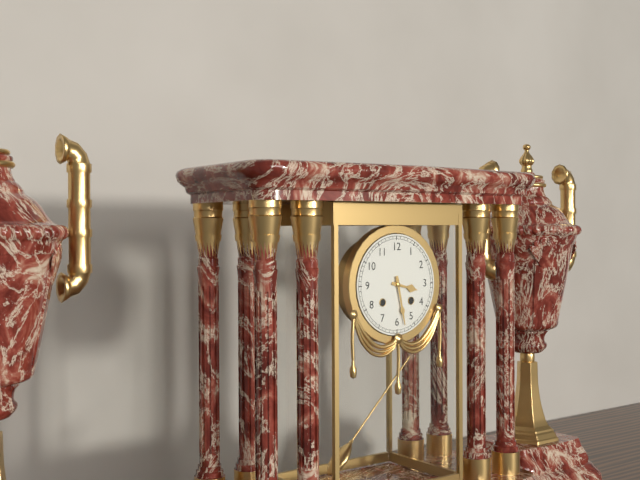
3:28
